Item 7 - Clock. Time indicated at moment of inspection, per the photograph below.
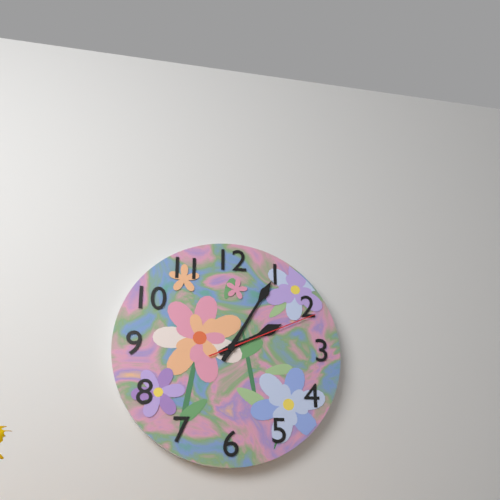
2:05:11
